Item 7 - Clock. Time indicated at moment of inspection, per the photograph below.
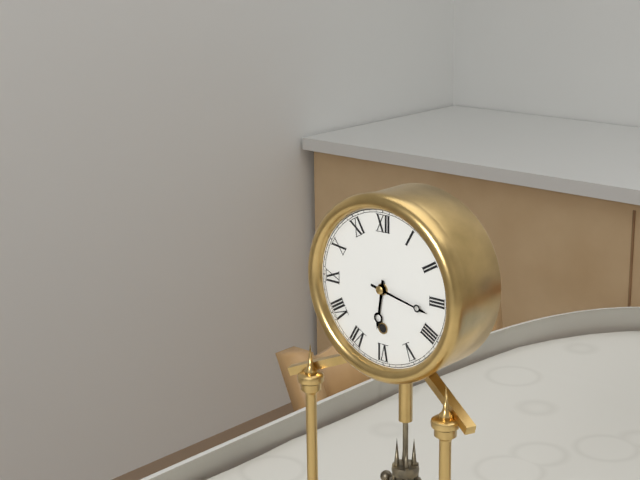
6:17
